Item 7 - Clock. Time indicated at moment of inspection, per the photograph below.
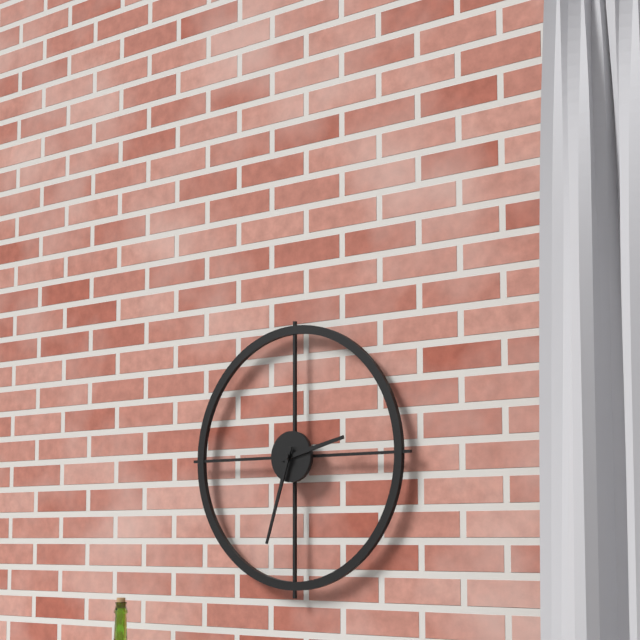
2:33
